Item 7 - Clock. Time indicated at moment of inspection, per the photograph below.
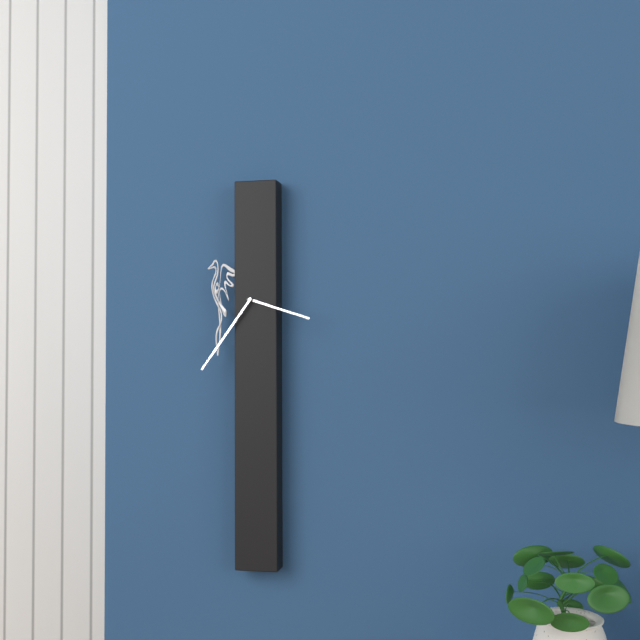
3:36
